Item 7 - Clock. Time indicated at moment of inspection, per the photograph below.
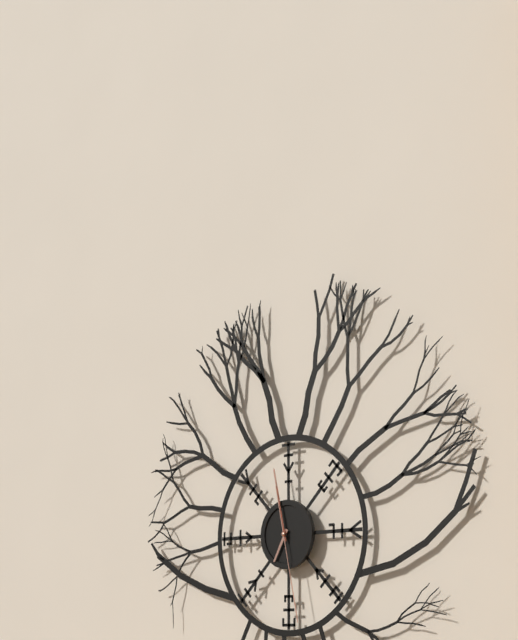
6:58:28
